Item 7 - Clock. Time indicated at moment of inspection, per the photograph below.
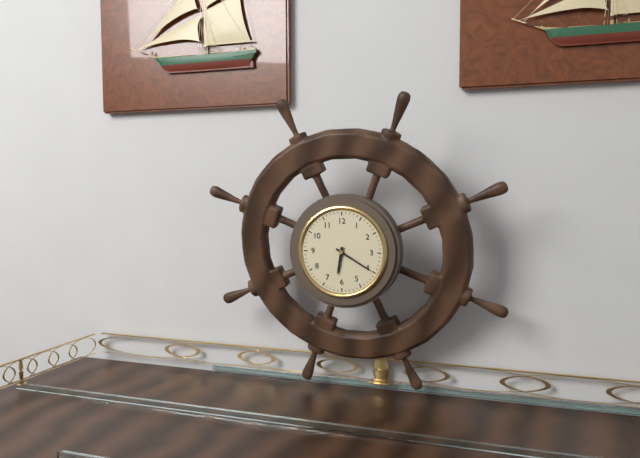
6:20
